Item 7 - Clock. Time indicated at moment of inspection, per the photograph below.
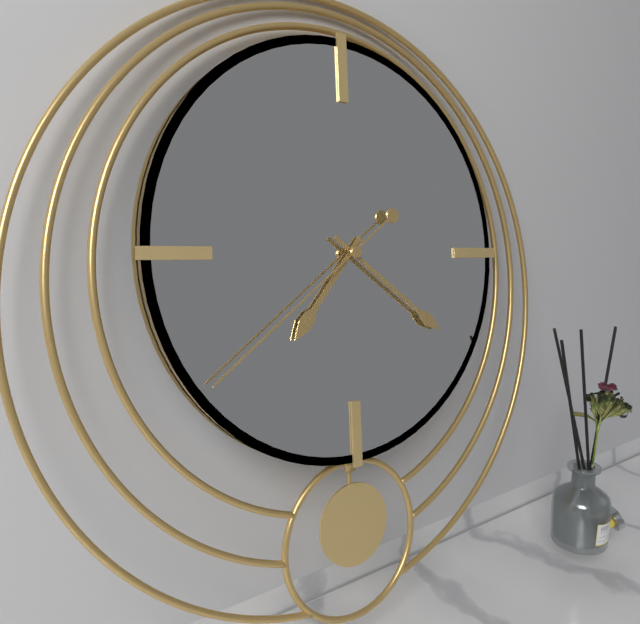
7:21:39
